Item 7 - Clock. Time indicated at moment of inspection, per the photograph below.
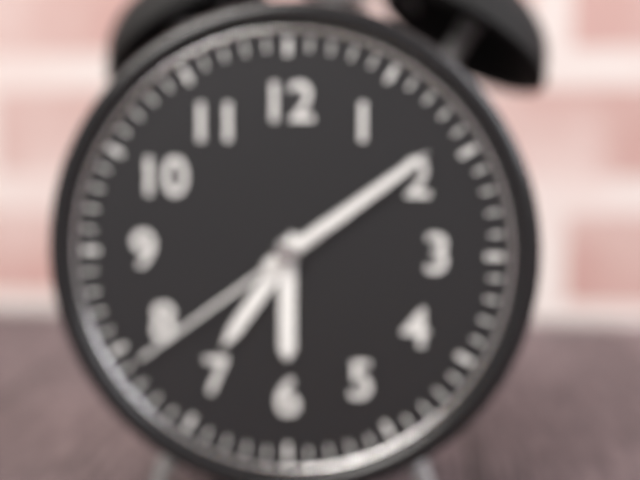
7:09:39
